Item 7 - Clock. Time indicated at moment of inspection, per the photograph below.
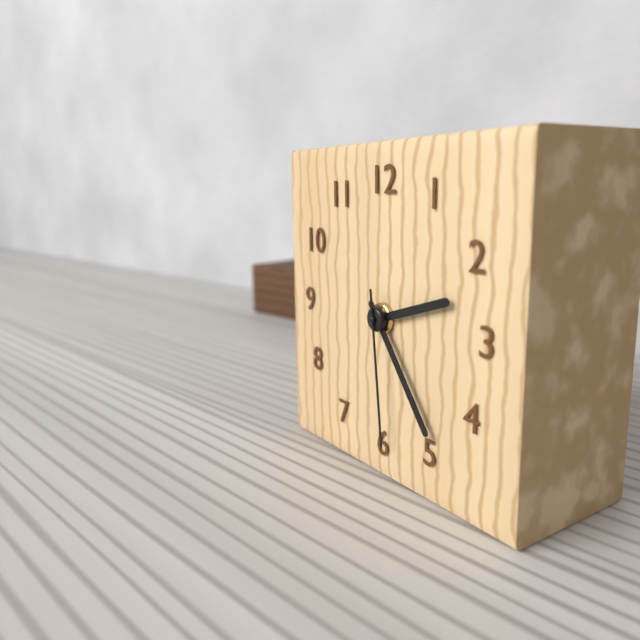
2:24:29
